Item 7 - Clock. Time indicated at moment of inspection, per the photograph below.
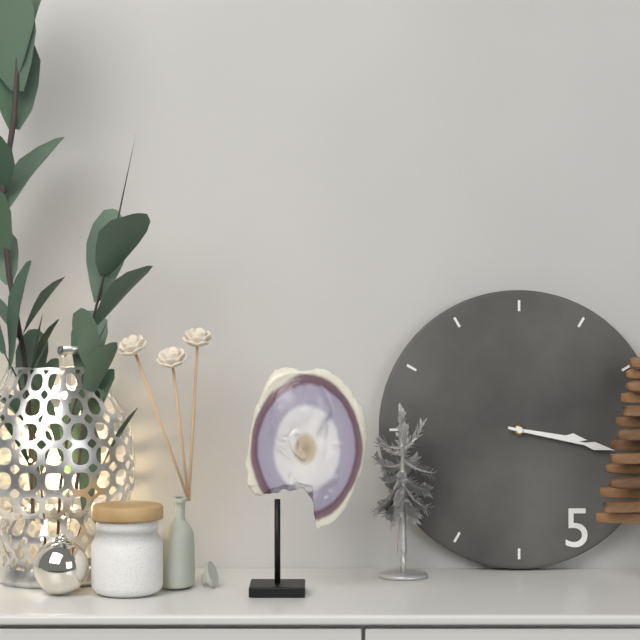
3:17
